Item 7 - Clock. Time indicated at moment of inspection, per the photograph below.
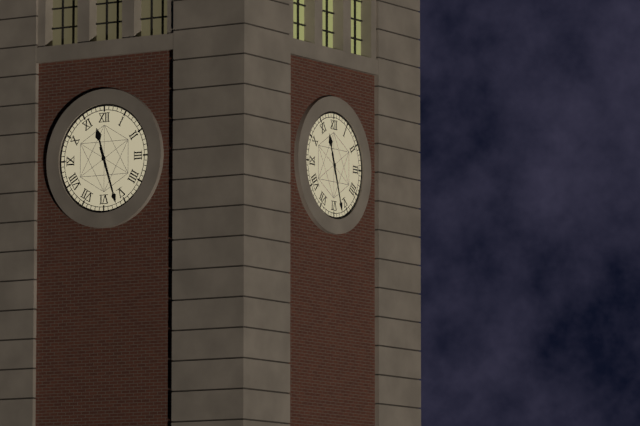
11:27
